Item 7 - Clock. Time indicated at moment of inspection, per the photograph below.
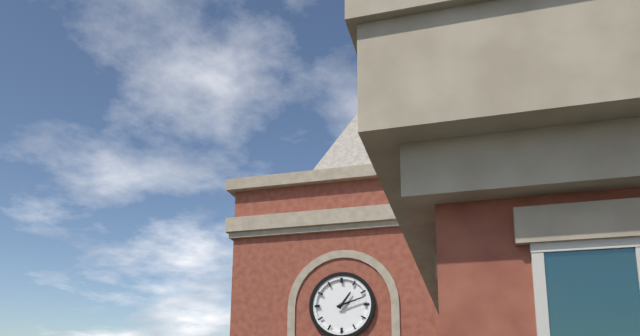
1:12
